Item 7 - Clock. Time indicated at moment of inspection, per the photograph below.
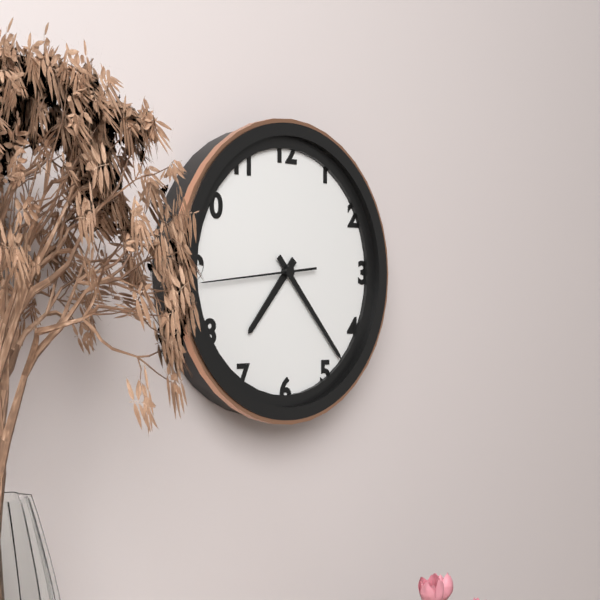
7:23:44
